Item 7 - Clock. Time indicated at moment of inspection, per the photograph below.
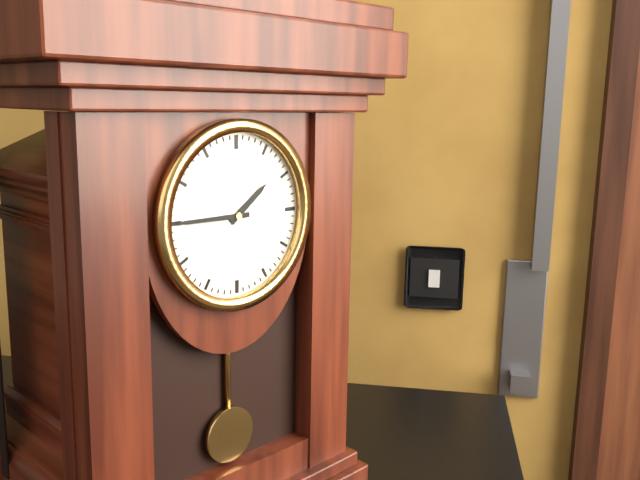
1:45
